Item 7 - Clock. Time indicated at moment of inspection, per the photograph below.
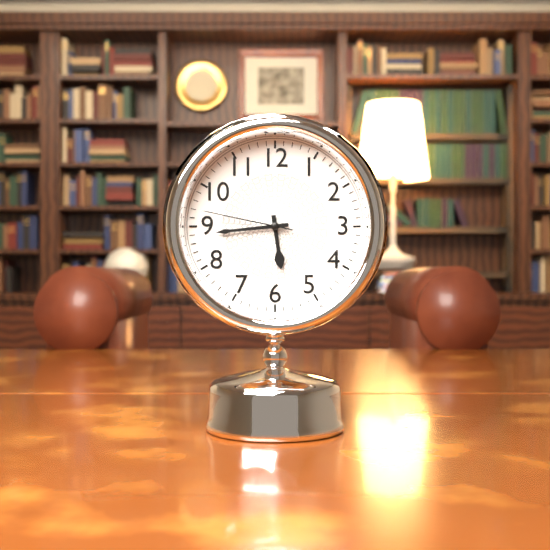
5:44:47
